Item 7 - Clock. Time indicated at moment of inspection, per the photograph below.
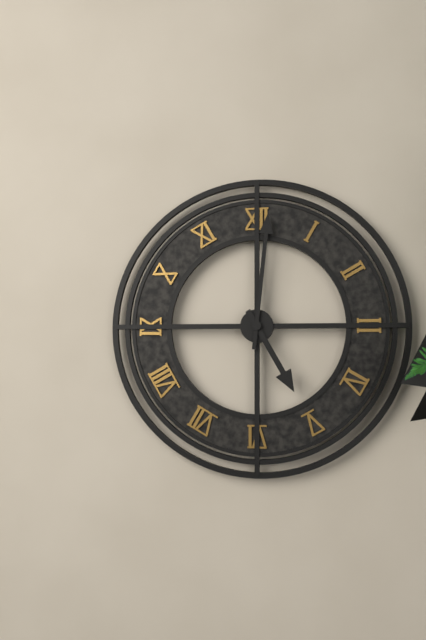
5:01
